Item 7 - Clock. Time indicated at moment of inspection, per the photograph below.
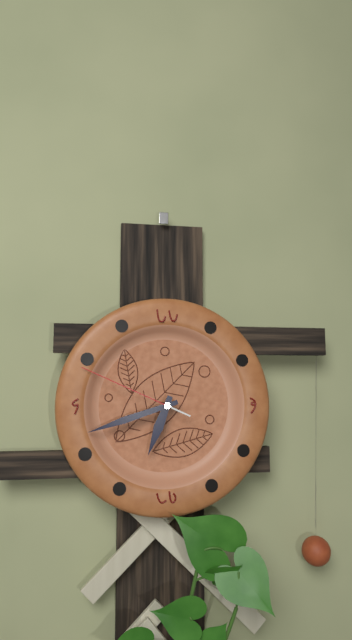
6:42:49
